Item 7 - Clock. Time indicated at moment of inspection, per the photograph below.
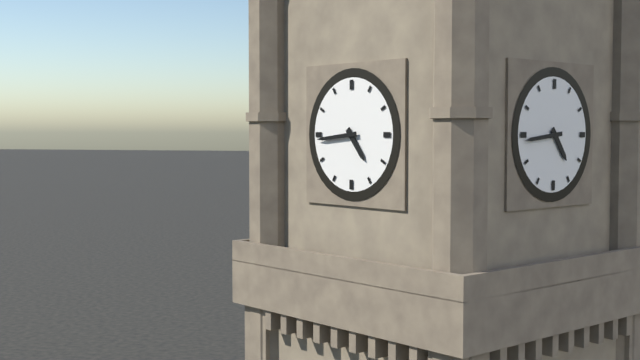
4:44
